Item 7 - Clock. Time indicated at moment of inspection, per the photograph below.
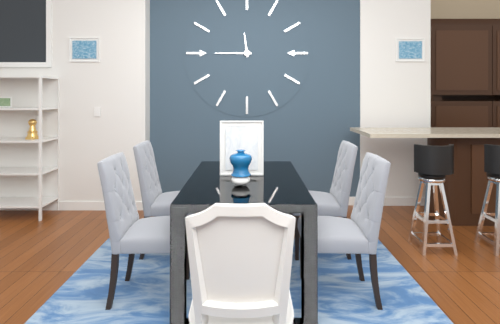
11:45
